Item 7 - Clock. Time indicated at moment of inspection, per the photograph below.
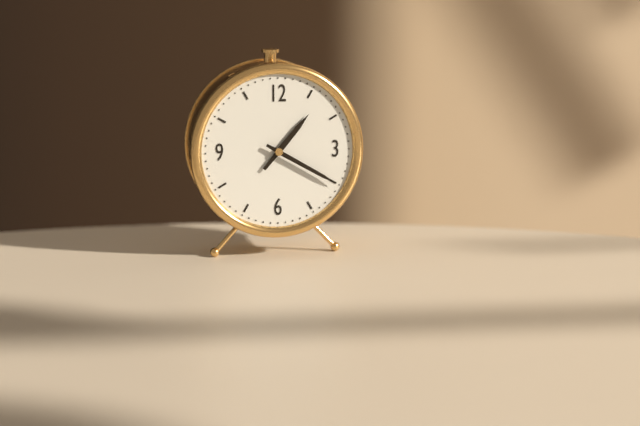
1:20
